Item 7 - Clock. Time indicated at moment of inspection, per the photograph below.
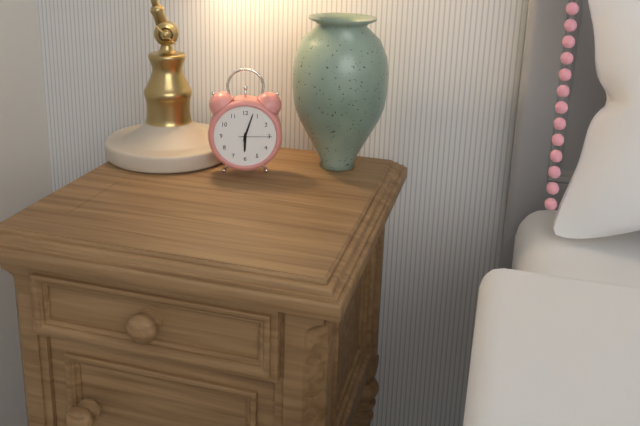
6:03
